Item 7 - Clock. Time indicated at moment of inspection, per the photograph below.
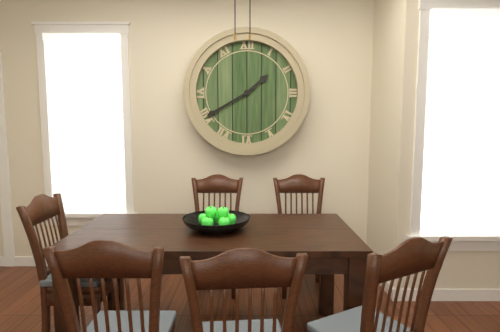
1:40
